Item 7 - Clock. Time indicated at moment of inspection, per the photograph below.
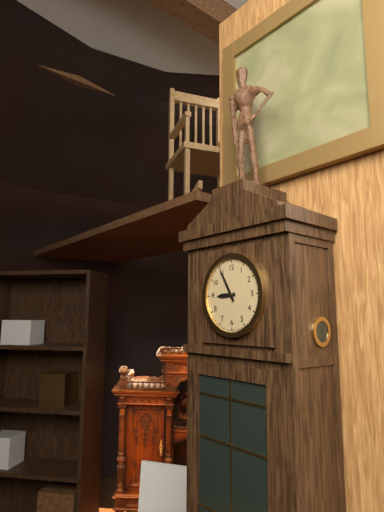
8:55
